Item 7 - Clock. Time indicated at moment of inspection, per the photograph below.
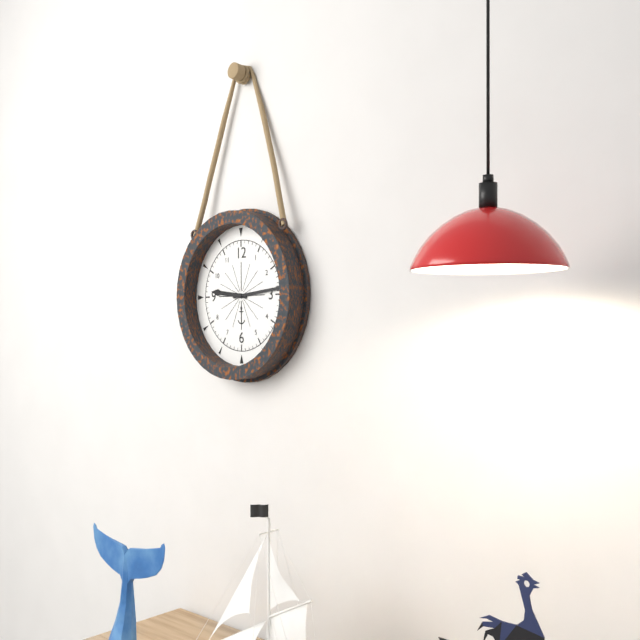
9:14
